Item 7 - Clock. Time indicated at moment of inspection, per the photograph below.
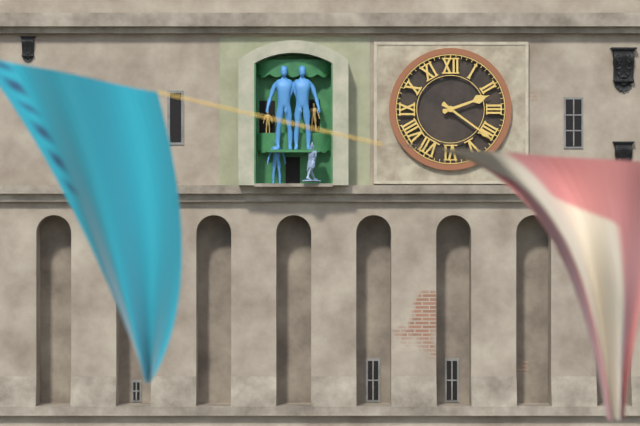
2:21
